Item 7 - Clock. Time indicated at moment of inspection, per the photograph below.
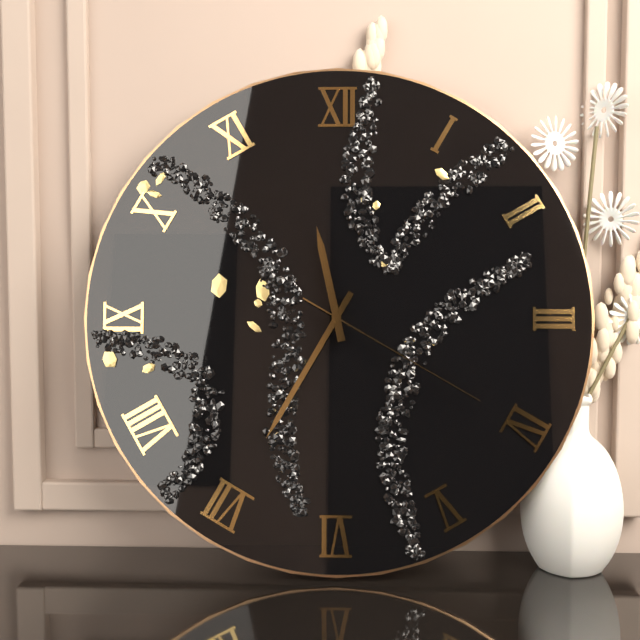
11:35:20
